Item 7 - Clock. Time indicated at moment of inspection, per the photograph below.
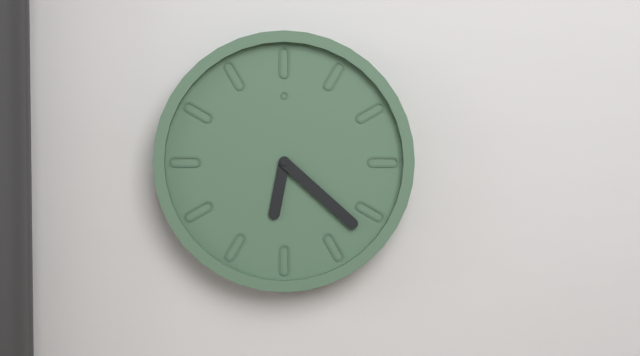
6:22
